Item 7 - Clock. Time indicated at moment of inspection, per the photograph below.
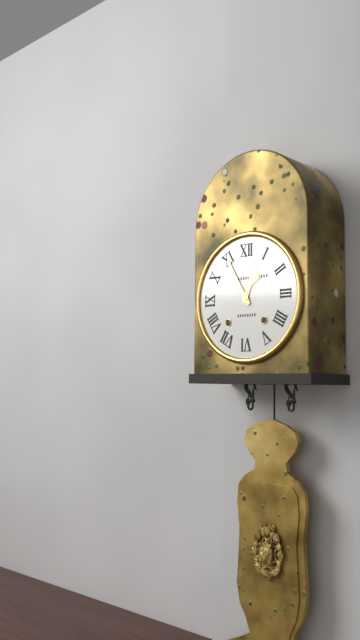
12:55
